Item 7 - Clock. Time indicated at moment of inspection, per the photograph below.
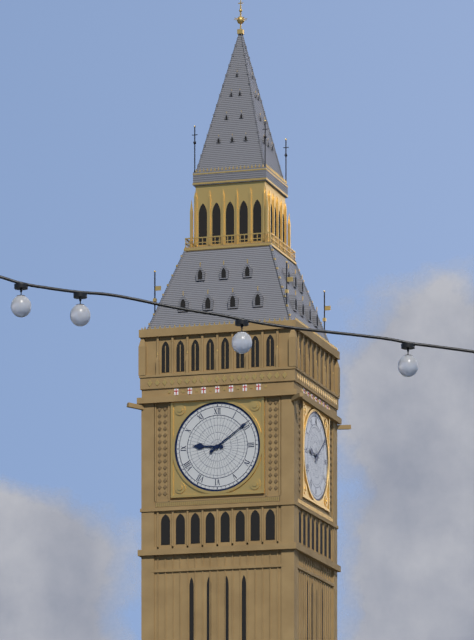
9:09
